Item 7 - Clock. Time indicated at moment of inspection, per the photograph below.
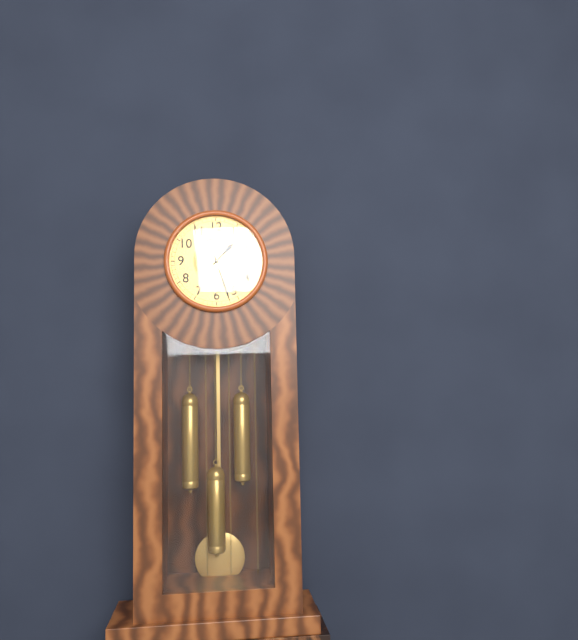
1:27
